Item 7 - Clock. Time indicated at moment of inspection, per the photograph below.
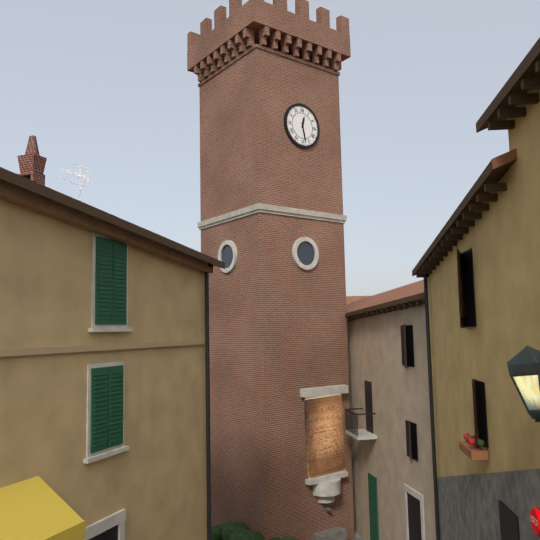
12:28
